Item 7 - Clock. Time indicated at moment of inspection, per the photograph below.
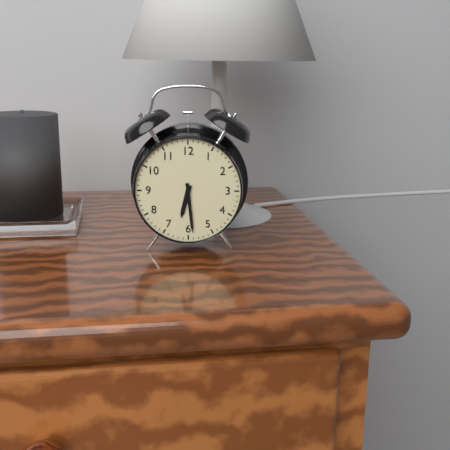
6:29
